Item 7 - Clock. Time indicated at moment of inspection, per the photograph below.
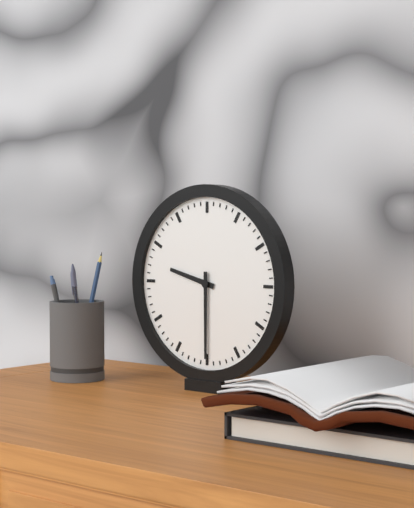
9:30
